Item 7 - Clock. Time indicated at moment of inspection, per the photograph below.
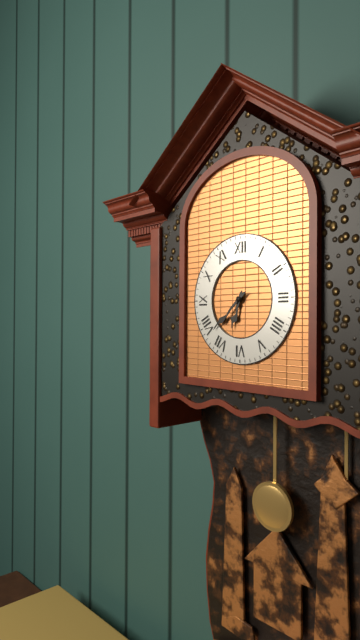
6:38
